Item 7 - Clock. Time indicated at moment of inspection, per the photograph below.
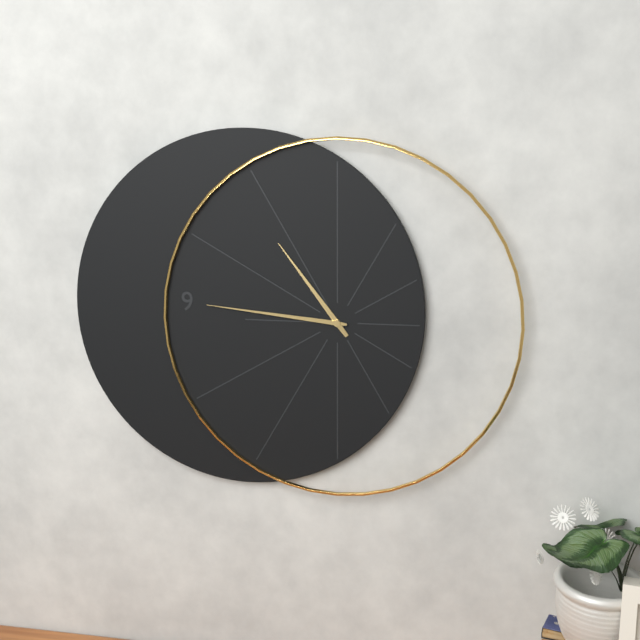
10:46
